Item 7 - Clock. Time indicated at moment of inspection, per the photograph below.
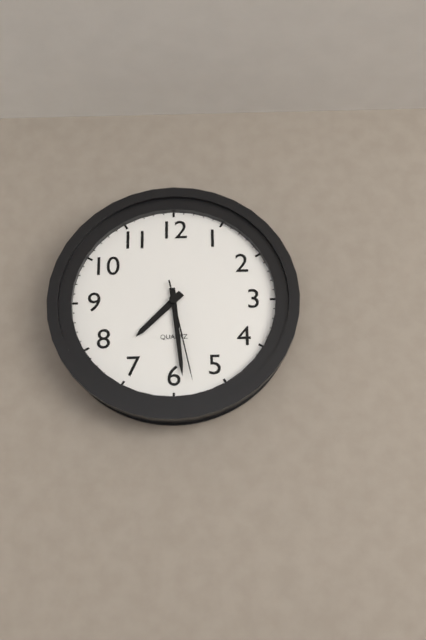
7:29:28
